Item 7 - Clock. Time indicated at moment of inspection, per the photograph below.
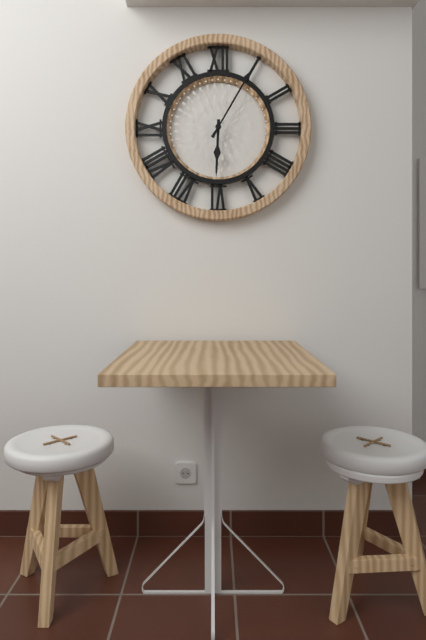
6:05
